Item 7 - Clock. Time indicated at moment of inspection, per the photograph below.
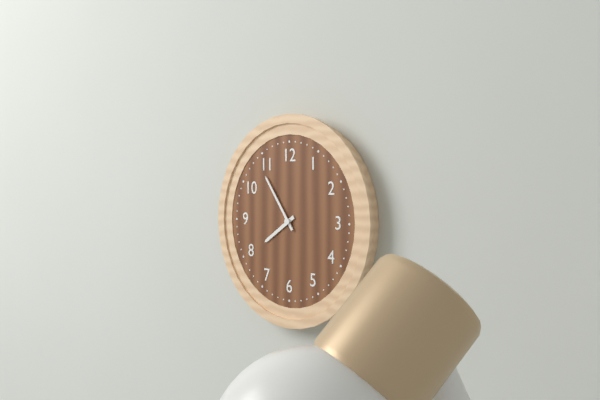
7:54
